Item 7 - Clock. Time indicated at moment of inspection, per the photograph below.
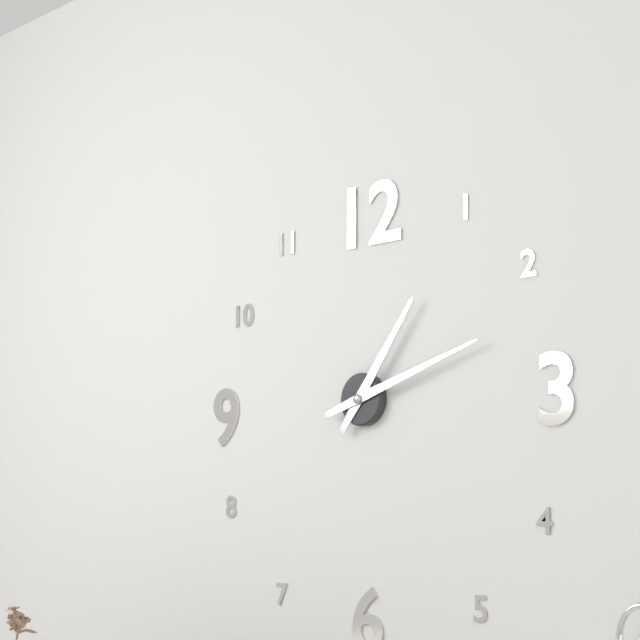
1:12
